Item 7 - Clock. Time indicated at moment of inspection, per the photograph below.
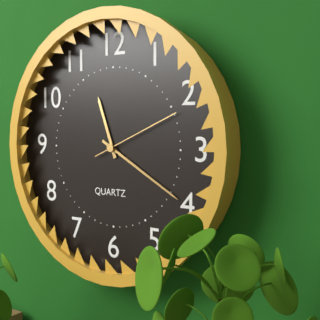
11:20:11
